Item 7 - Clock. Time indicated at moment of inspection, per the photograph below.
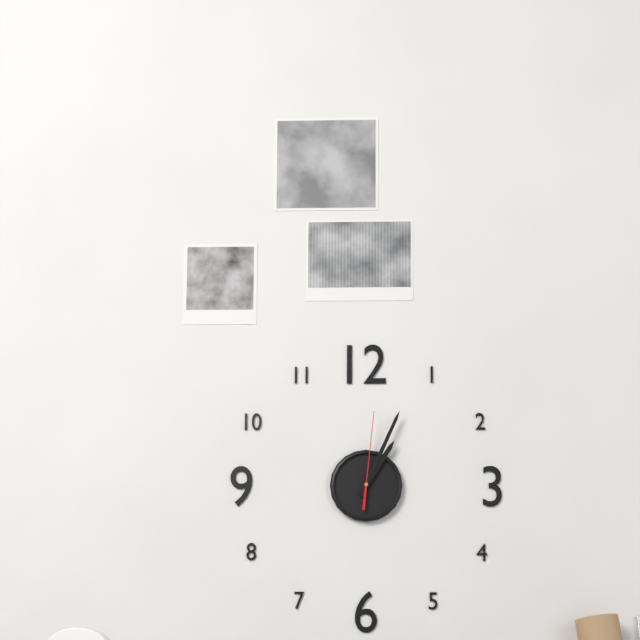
1:04:01
